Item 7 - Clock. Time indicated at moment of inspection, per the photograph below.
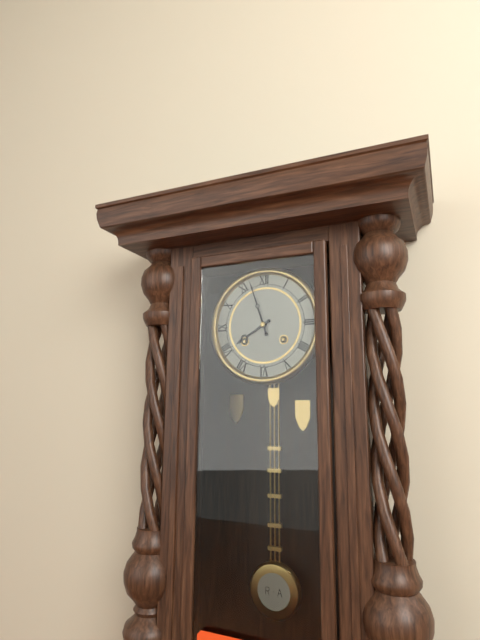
7:57
